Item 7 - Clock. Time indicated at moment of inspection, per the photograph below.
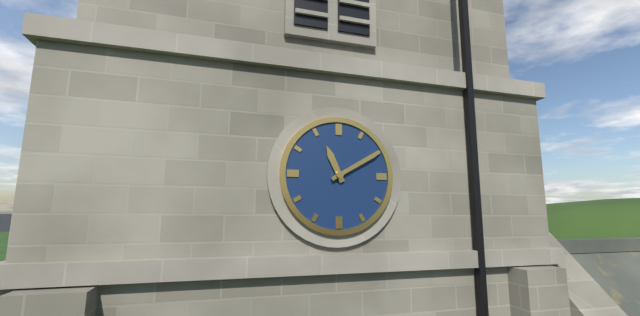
11:10
